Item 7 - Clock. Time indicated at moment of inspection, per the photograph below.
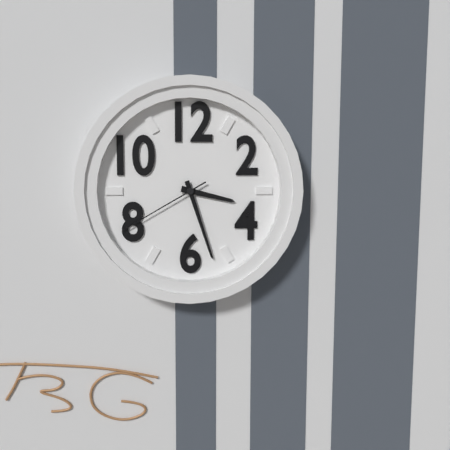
3:27:40
